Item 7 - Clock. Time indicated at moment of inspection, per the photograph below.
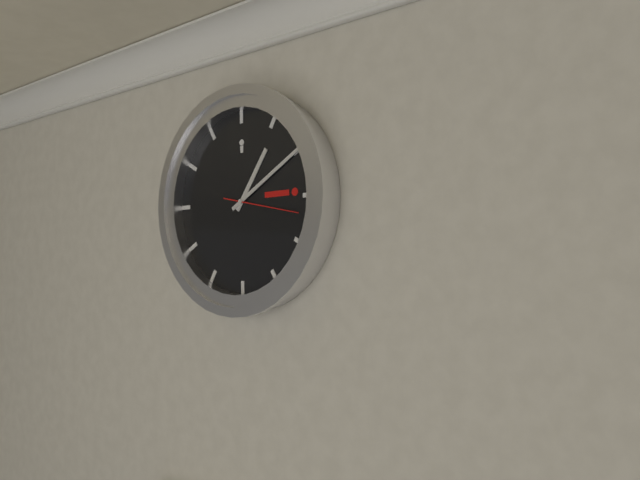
1:10:17
